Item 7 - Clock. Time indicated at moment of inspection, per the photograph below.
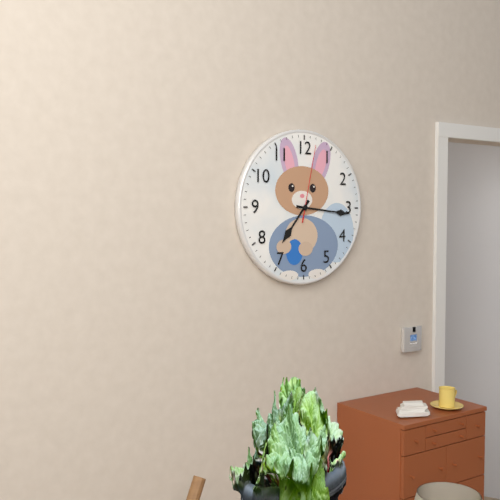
7:16:02
